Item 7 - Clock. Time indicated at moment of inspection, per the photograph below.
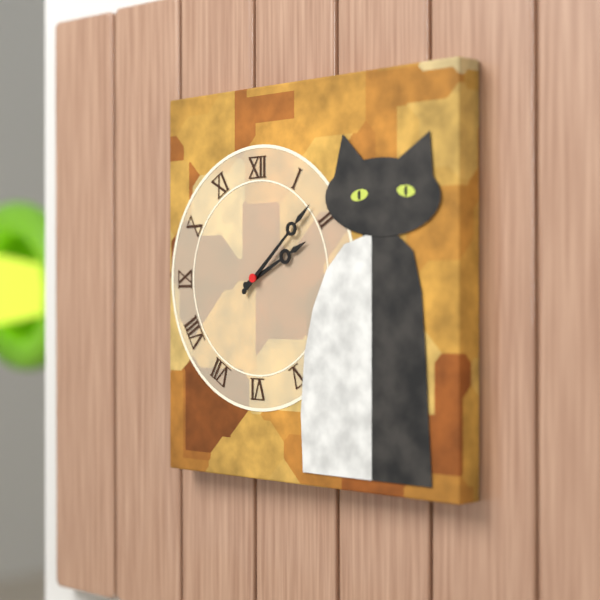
2:08
